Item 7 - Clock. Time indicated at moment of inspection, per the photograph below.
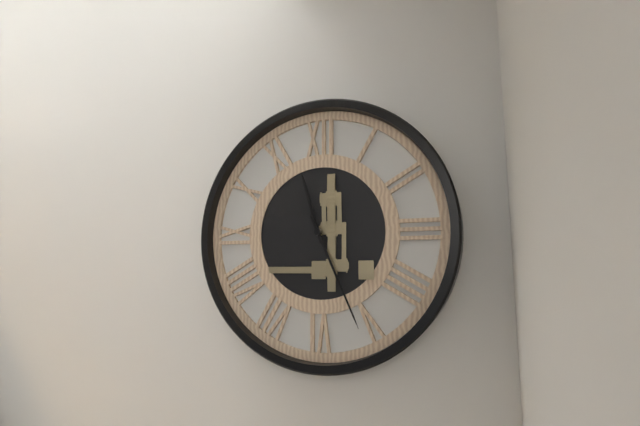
11:26
